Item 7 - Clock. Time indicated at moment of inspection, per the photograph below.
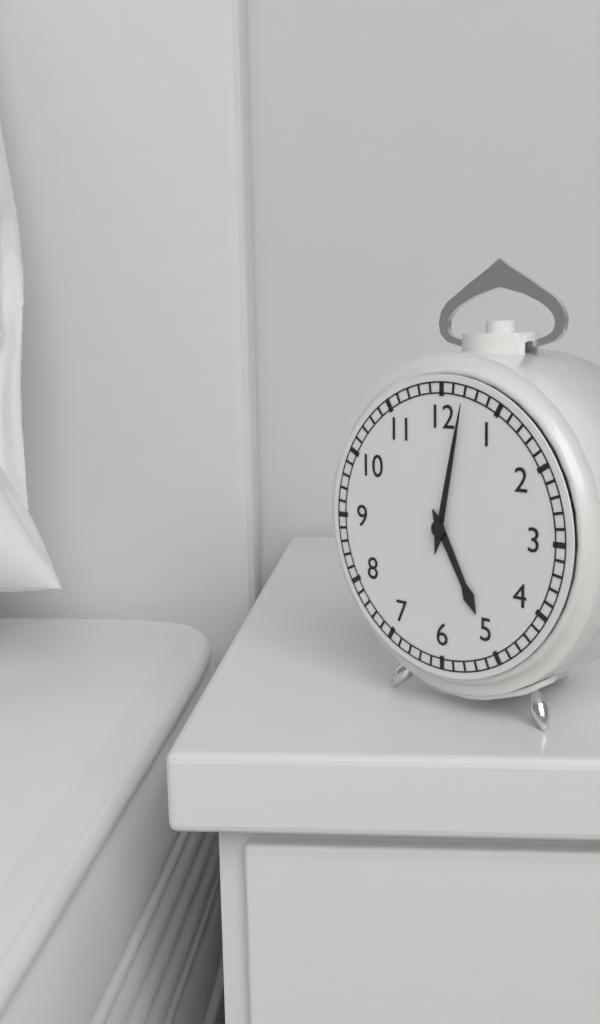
5:02
